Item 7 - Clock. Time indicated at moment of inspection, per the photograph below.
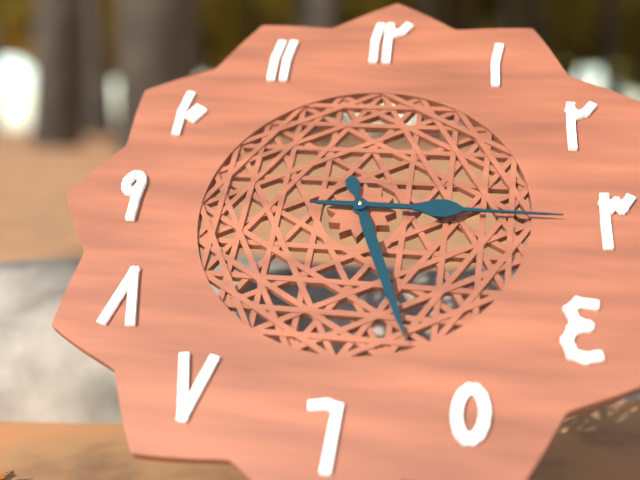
5:15
